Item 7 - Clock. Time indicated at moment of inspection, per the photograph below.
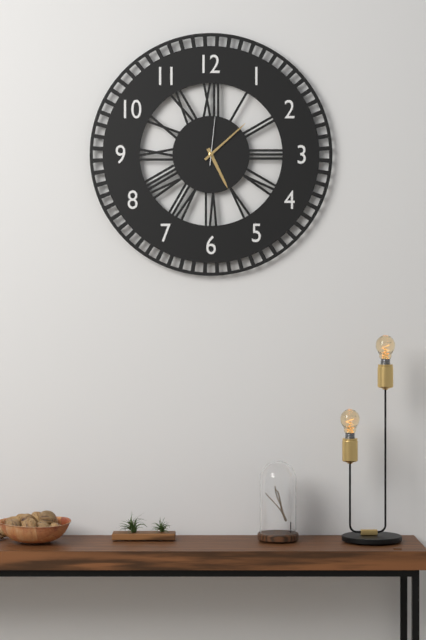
5:08:01
